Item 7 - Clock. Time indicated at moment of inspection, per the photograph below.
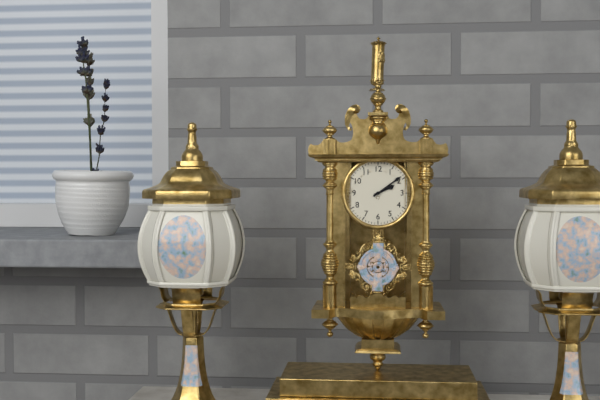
2:09
